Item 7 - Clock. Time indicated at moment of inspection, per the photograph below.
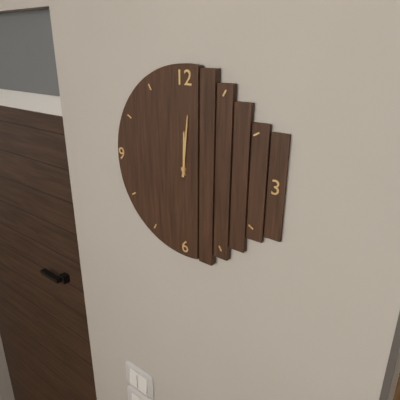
12:01
